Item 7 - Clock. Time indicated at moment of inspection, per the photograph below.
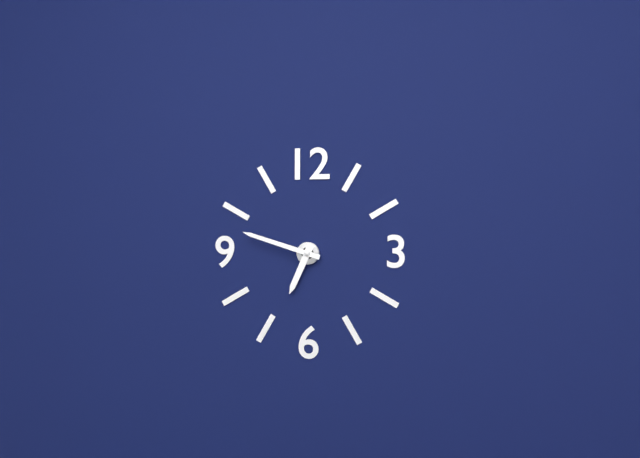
6:48
